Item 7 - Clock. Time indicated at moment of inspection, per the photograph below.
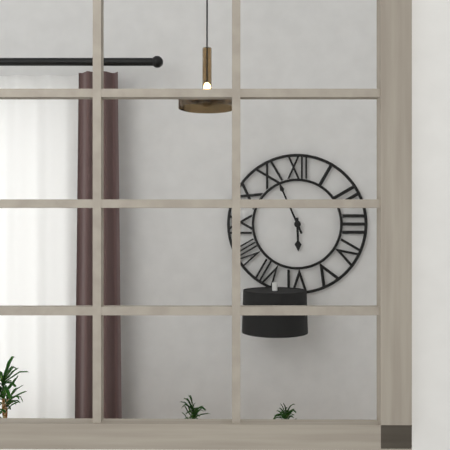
5:56
